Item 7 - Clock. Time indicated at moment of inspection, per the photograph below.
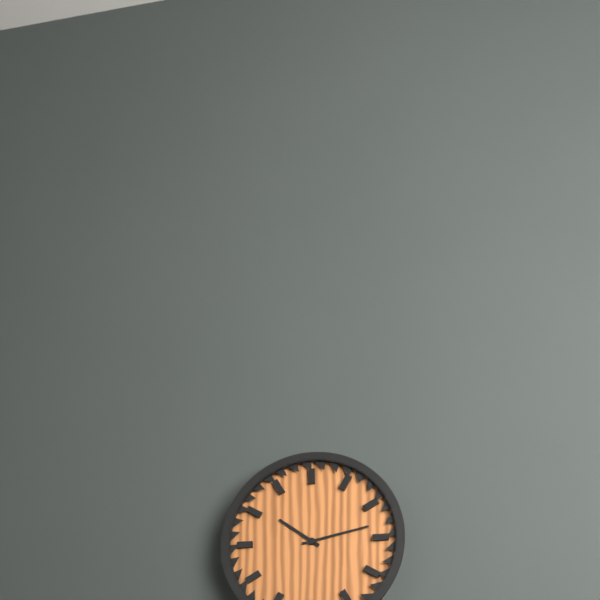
10:13
